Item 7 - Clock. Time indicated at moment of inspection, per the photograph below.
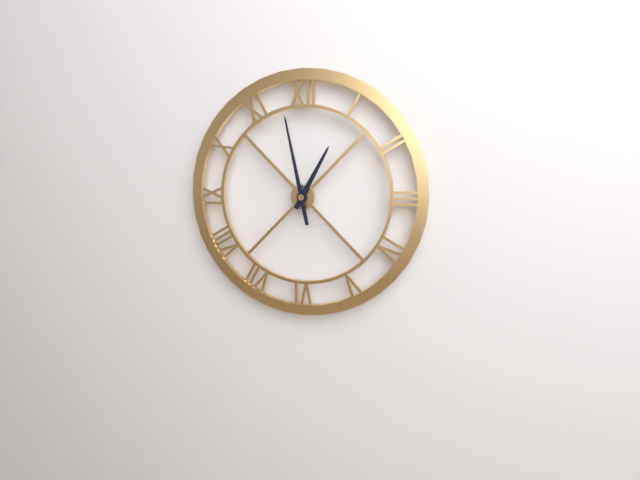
12:58
